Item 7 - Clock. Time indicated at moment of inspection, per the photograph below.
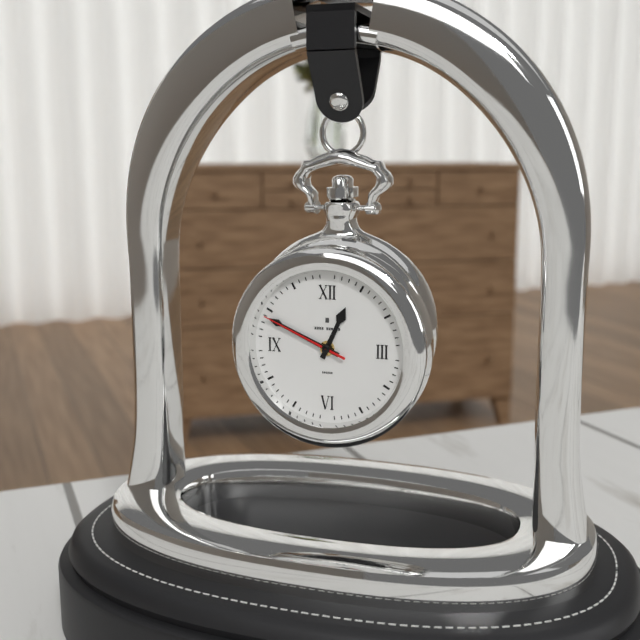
12:49:49
